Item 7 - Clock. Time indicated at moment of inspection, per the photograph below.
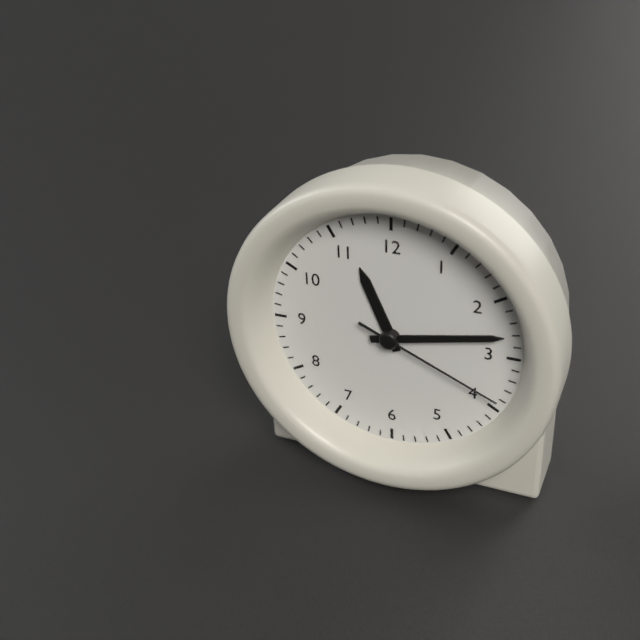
11:13:19
